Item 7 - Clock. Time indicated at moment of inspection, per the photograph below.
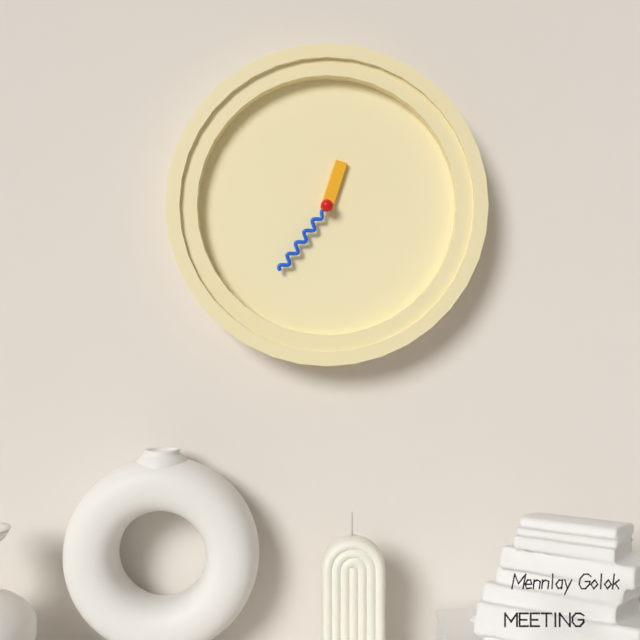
12:36
